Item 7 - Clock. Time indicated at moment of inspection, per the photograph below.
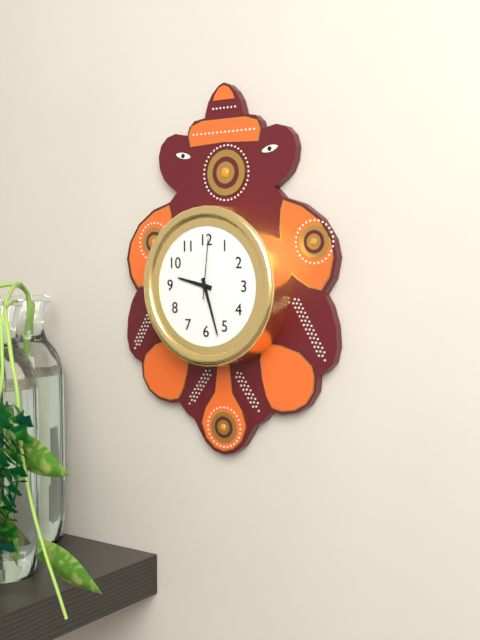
9:27:01
